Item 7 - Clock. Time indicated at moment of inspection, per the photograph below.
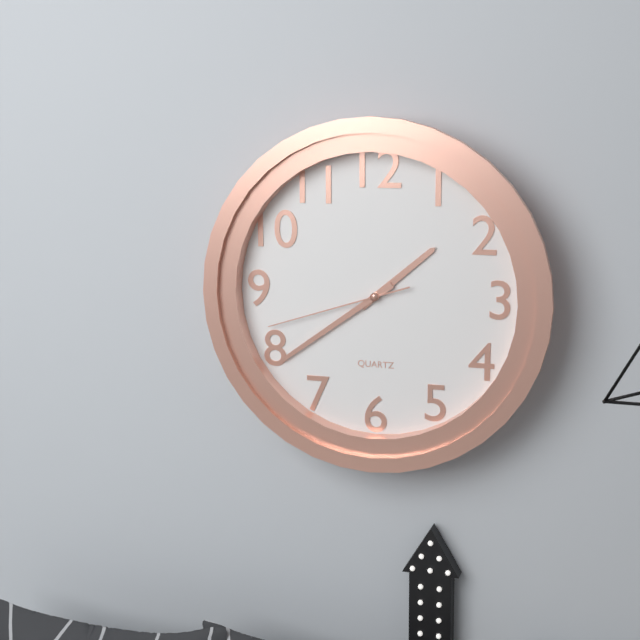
1:39:42
